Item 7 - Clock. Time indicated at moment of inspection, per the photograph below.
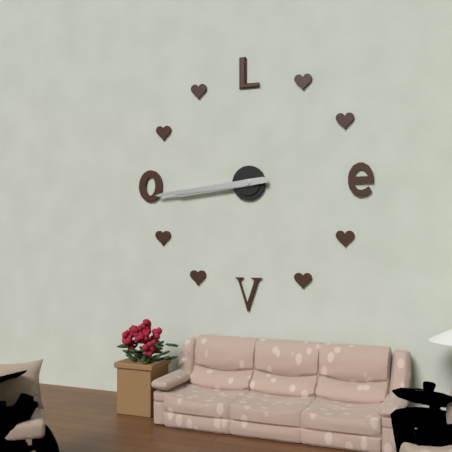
8:44
